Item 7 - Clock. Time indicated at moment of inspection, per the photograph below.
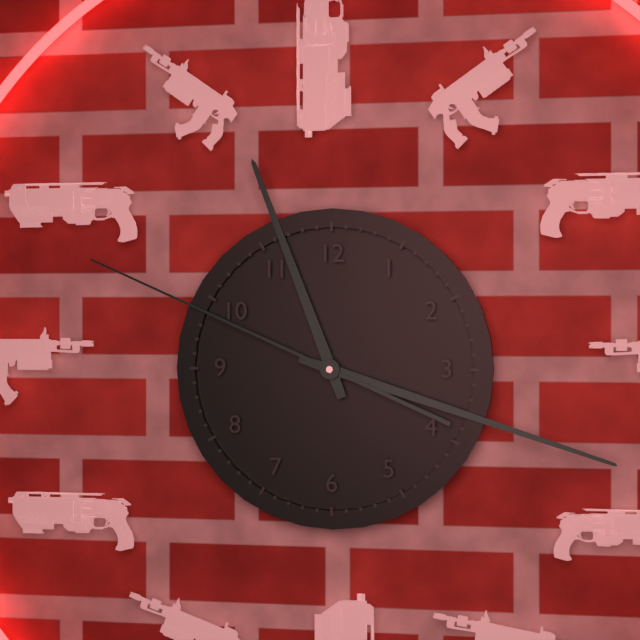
11:18:49
